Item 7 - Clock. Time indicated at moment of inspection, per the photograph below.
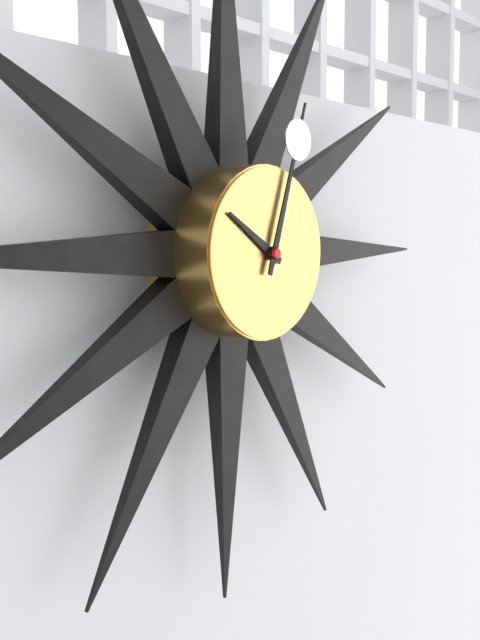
10:03
